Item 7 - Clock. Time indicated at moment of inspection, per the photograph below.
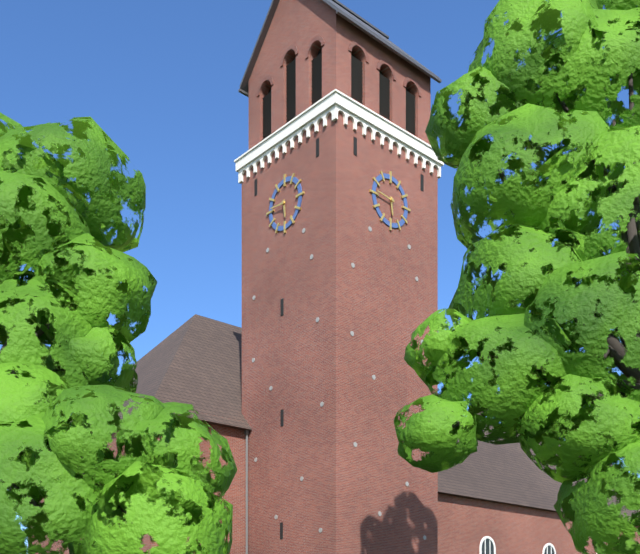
5:46
